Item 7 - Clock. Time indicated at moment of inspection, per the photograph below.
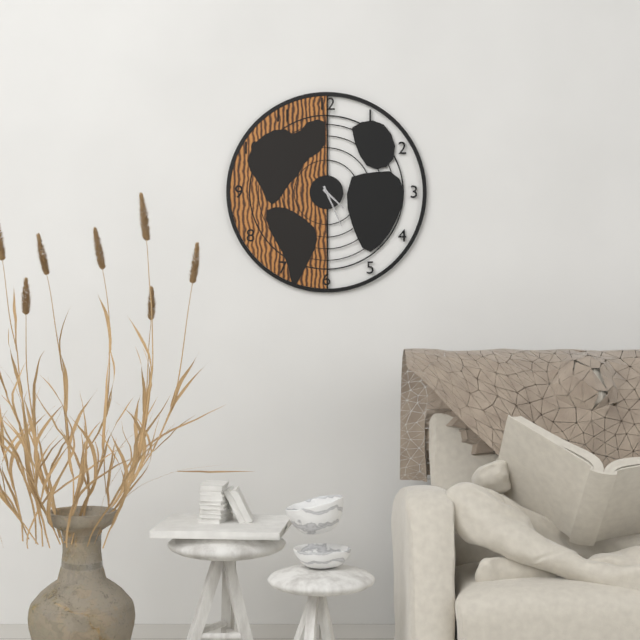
4:26
